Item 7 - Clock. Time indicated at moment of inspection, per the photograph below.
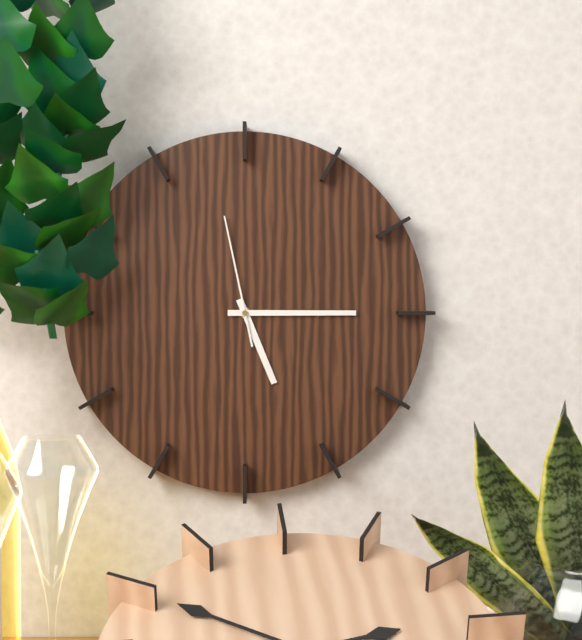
5:15:58
